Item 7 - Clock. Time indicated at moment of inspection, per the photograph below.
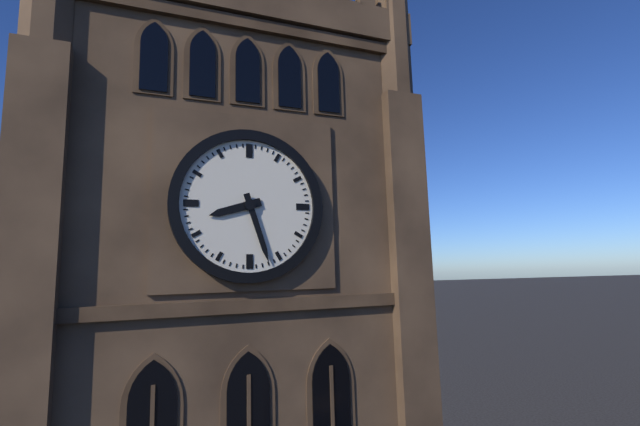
8:27
